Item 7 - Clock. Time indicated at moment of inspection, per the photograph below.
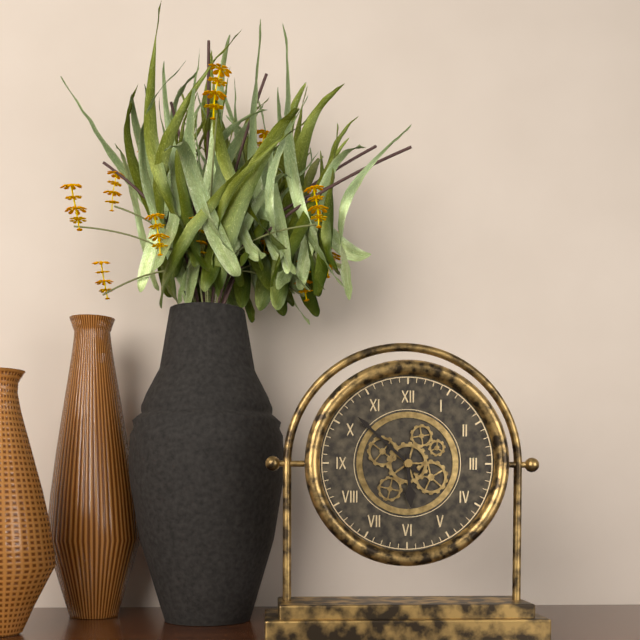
5:52
